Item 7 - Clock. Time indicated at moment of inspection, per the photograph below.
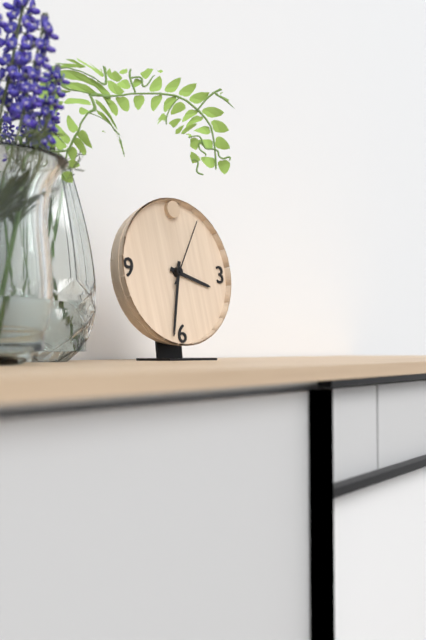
3:32:05
